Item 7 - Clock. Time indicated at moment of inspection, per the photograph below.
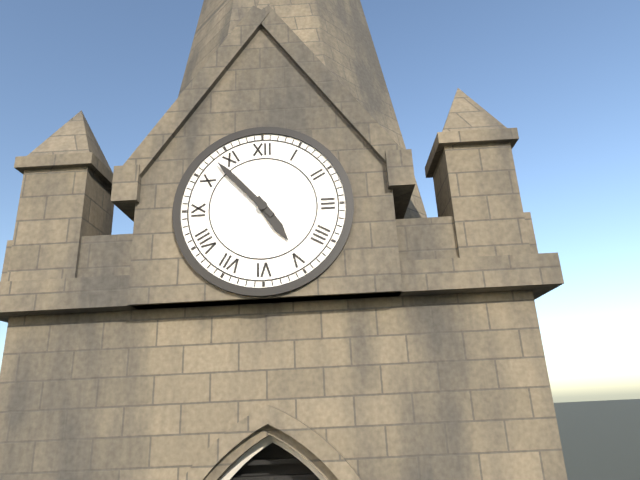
4:53
